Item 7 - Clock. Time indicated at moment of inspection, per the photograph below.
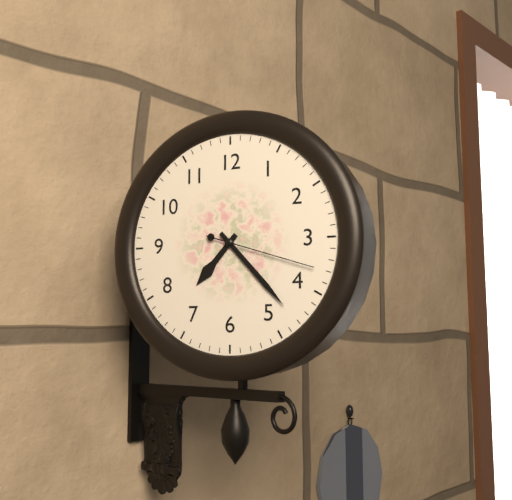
7:23:18
